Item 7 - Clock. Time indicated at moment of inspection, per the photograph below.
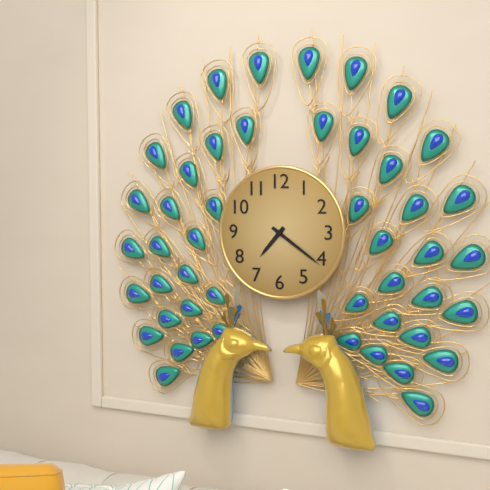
7:21
